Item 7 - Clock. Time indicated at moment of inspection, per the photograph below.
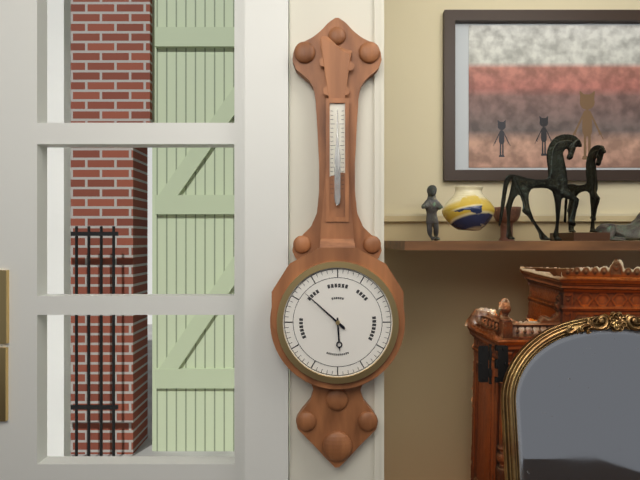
5:52
